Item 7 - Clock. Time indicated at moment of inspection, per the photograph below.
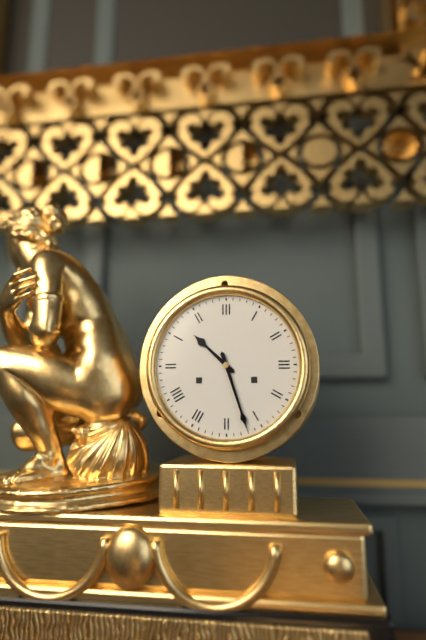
10:27
